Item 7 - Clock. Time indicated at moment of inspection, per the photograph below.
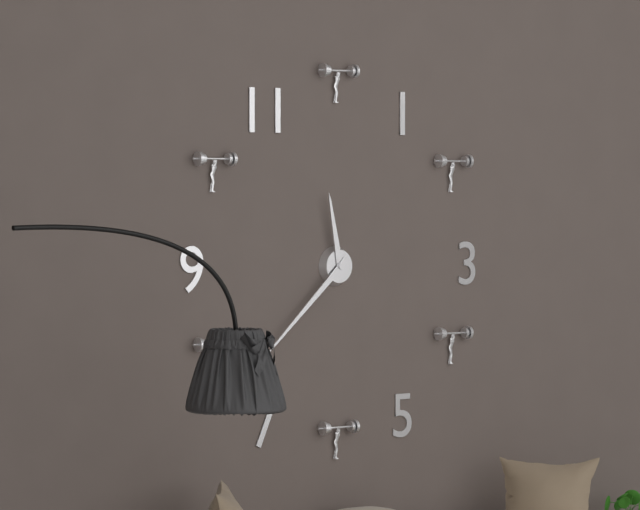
11:38
